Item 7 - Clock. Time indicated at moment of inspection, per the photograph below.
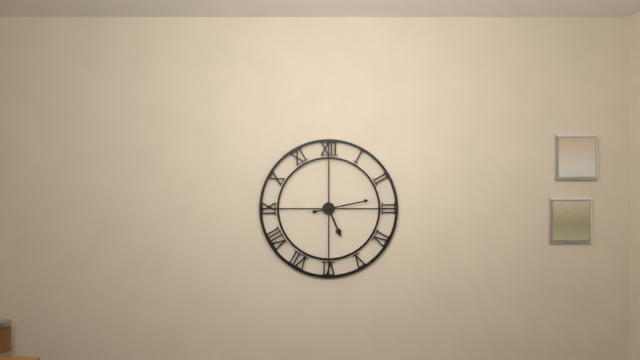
5:13
